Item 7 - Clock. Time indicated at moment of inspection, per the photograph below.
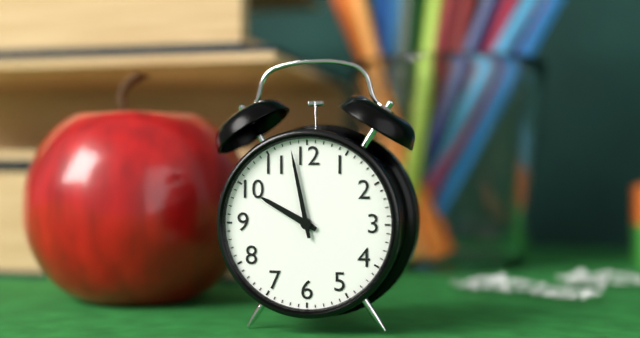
9:58
